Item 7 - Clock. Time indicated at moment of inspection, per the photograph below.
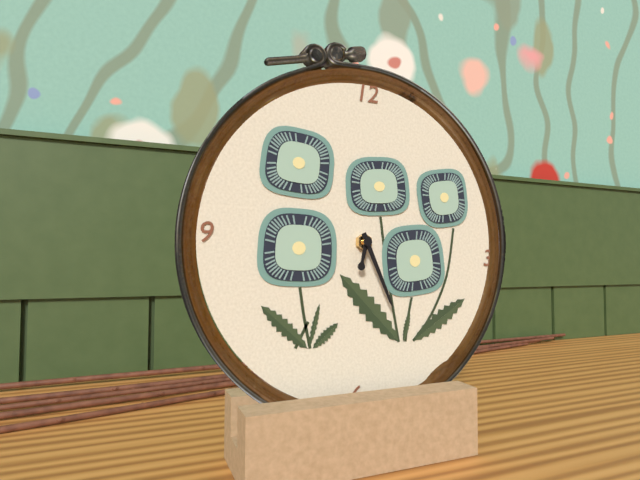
6:26
